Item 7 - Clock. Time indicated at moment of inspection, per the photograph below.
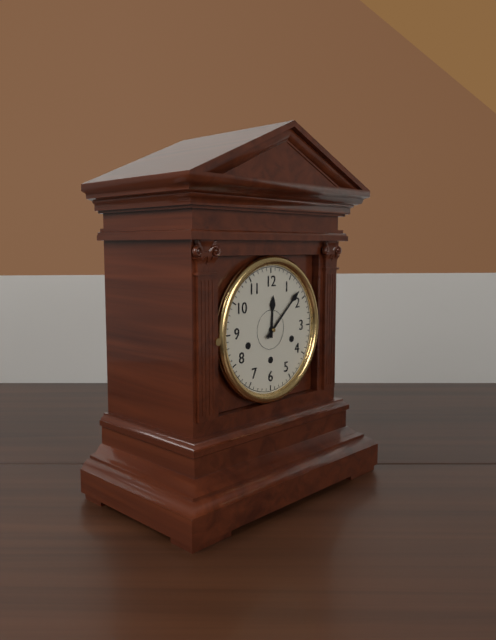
12:08
